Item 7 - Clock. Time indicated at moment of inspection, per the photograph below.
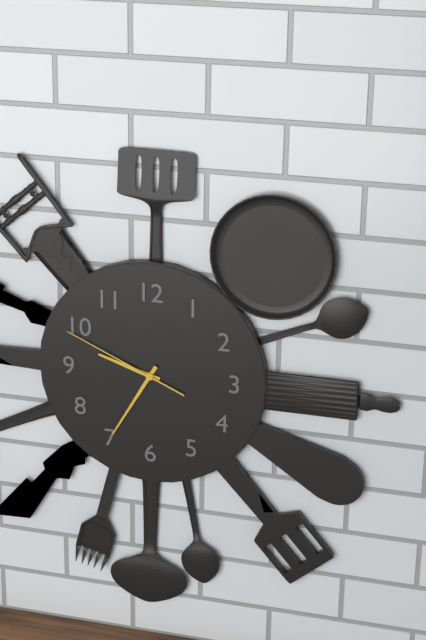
9:35:49
